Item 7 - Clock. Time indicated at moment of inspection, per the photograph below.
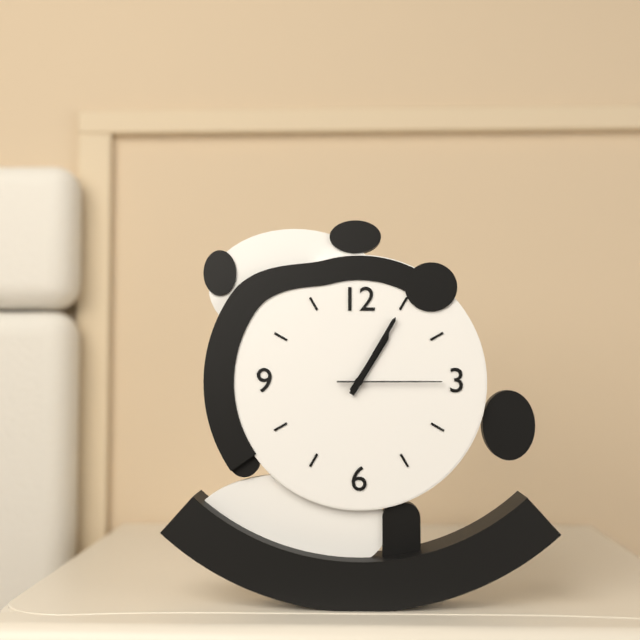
1:05:15
